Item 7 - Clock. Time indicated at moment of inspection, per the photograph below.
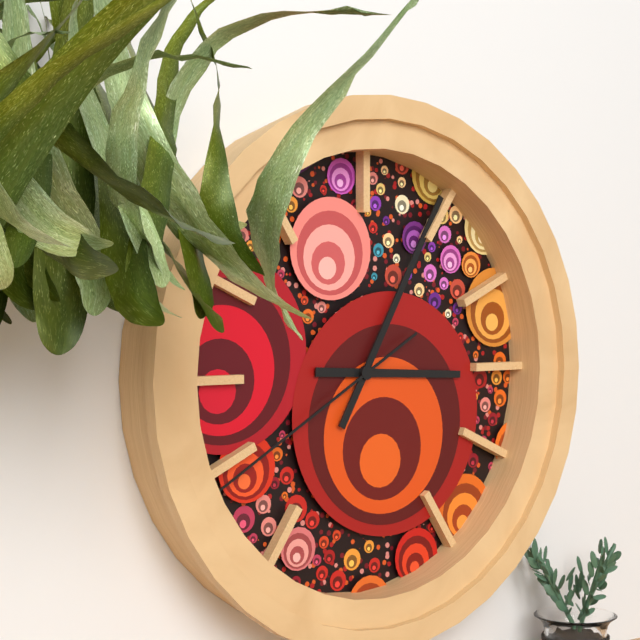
3:05:40
